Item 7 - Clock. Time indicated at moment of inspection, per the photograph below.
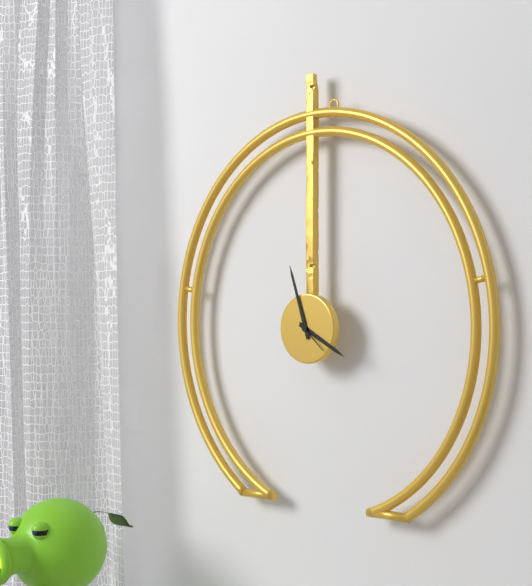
3:57
